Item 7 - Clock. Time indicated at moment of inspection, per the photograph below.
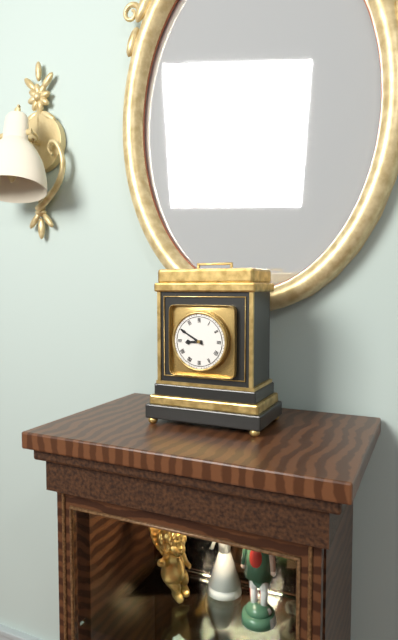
8:50
